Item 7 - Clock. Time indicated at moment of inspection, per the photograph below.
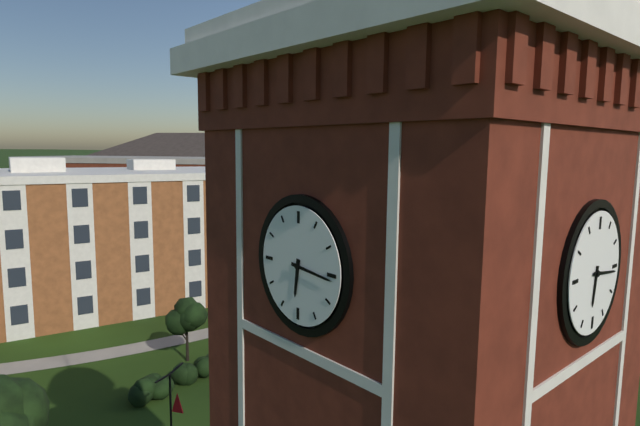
6:16
